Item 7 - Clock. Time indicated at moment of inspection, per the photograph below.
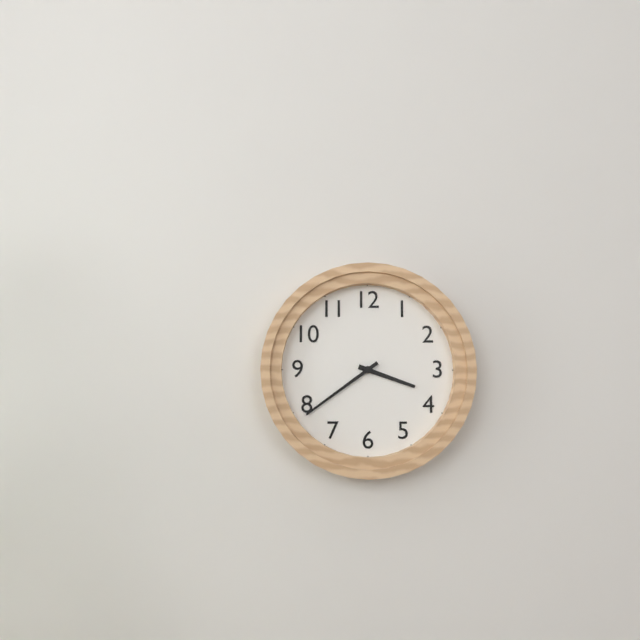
3:39
